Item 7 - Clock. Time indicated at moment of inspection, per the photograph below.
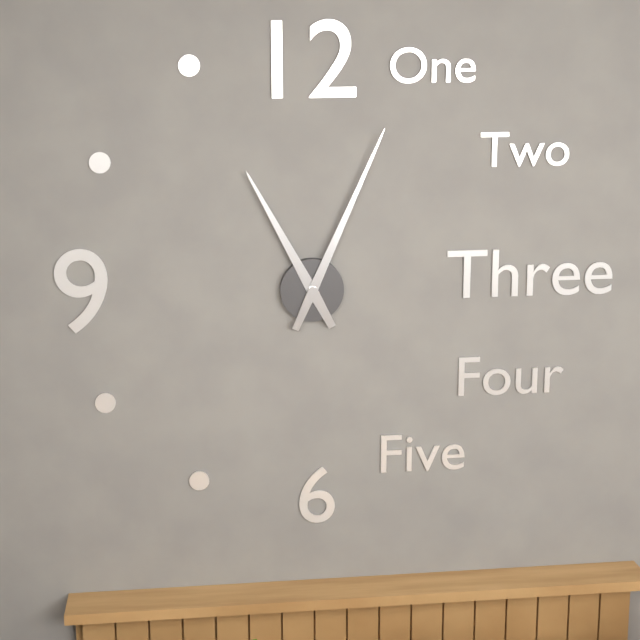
11:04
